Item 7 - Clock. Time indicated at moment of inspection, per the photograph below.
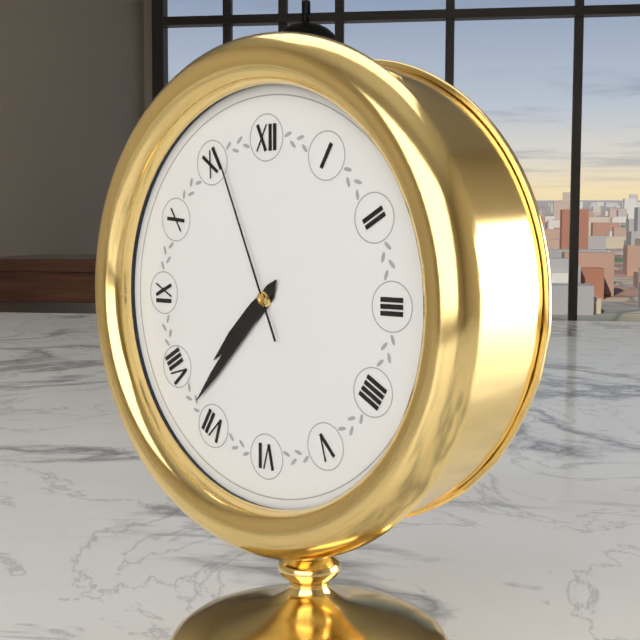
7:37:56
